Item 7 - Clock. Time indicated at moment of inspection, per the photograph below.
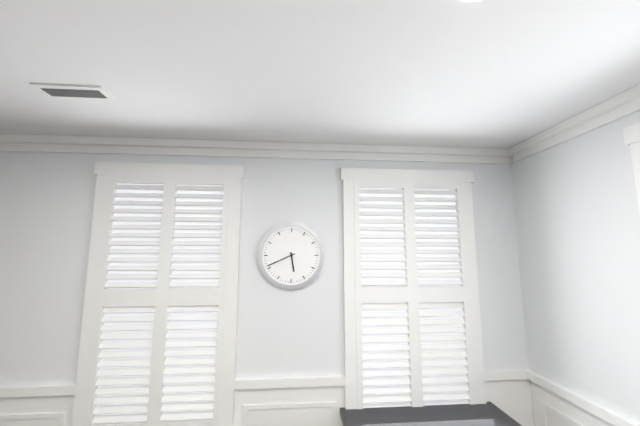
5:41
